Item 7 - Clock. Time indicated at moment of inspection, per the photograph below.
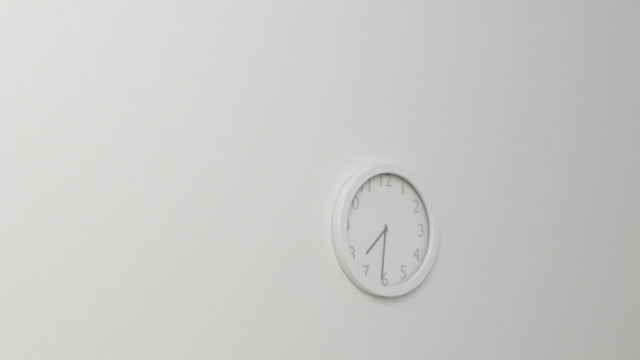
7:31
